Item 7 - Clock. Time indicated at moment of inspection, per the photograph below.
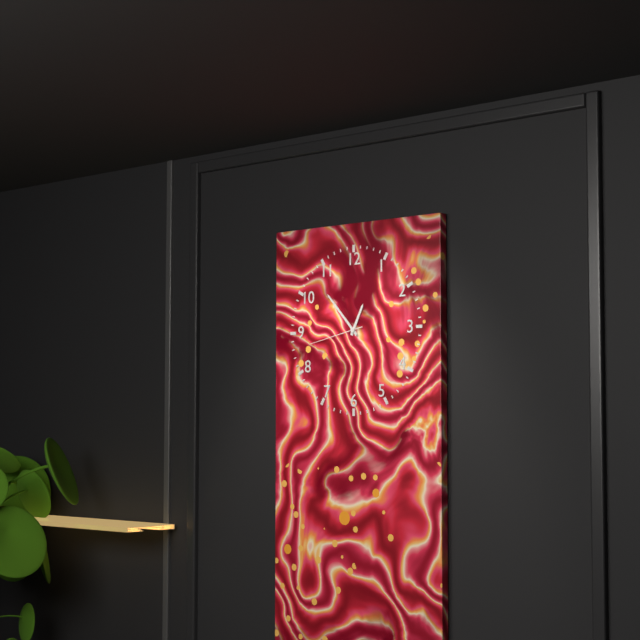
12:53:43
